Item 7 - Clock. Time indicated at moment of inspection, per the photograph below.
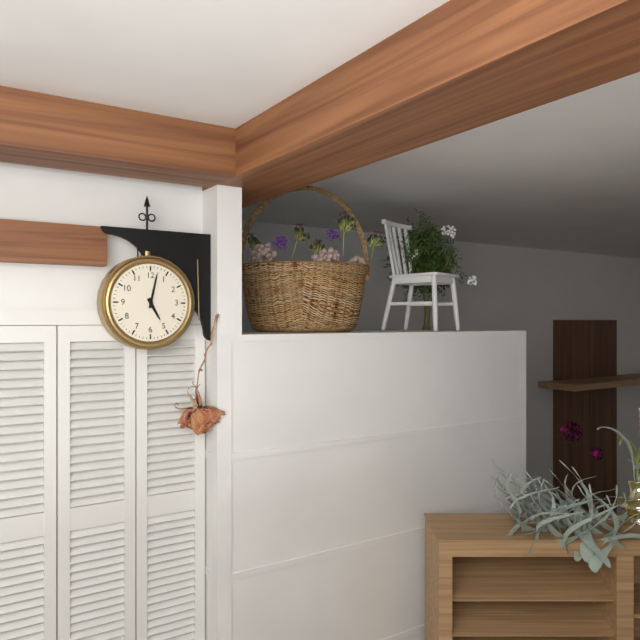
5:02
